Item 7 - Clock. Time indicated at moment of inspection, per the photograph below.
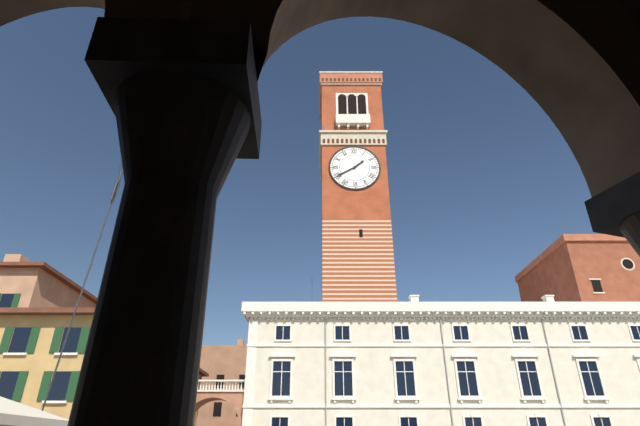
1:40
